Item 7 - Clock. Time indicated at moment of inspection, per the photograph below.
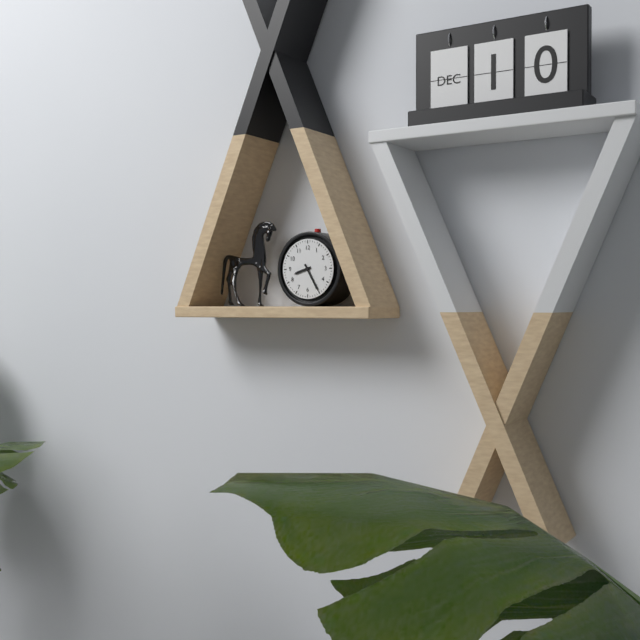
8:25
